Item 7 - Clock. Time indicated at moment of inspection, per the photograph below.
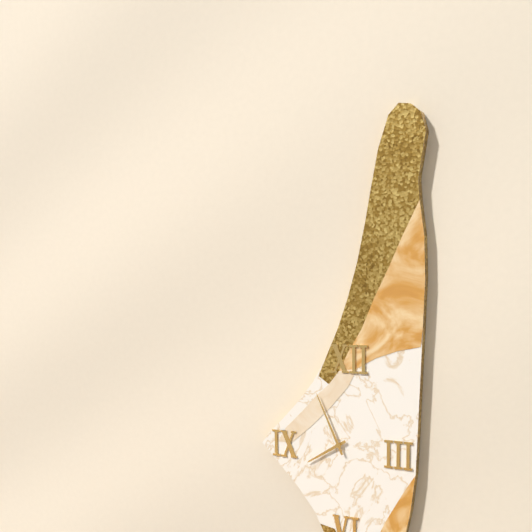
7:56
